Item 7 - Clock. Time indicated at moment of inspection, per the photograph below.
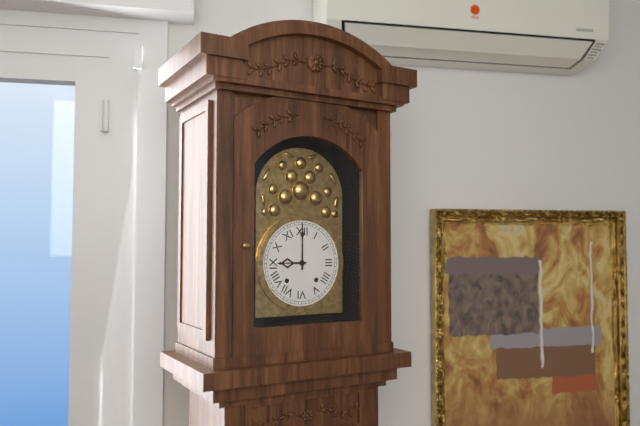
9:00
